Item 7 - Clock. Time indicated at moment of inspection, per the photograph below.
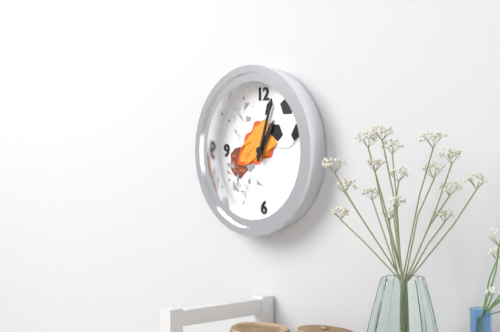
1:03
